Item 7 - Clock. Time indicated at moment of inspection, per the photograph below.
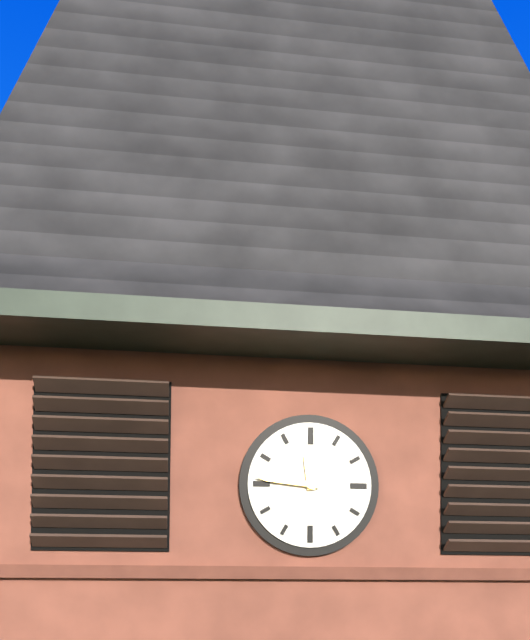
11:46
